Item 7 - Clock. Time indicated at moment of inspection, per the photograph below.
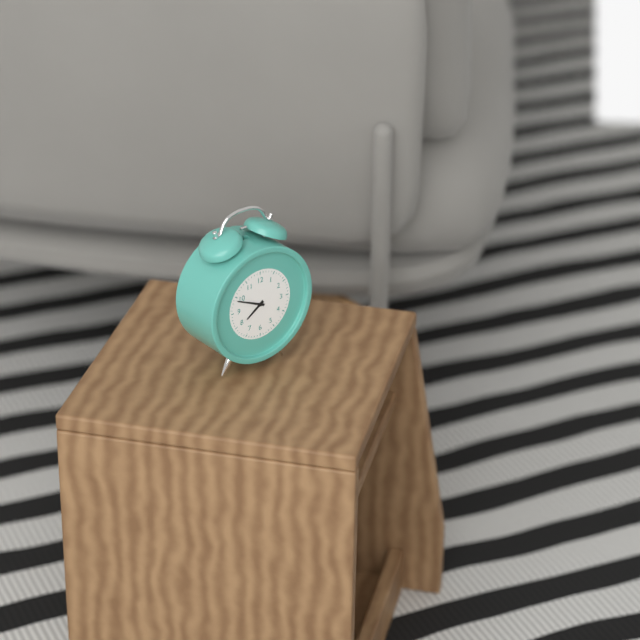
7:49
